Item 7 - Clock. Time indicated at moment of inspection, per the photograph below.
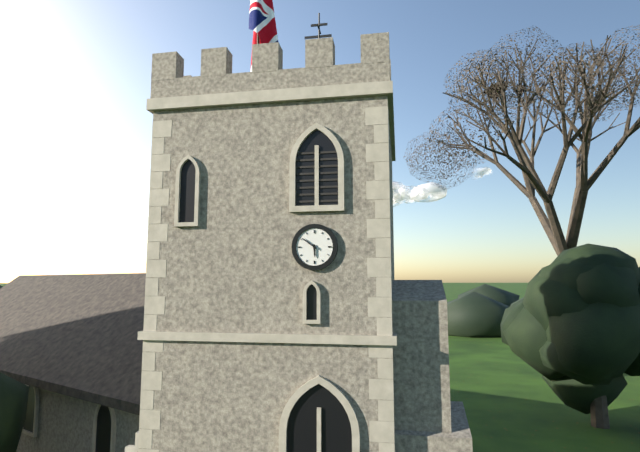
5:51
